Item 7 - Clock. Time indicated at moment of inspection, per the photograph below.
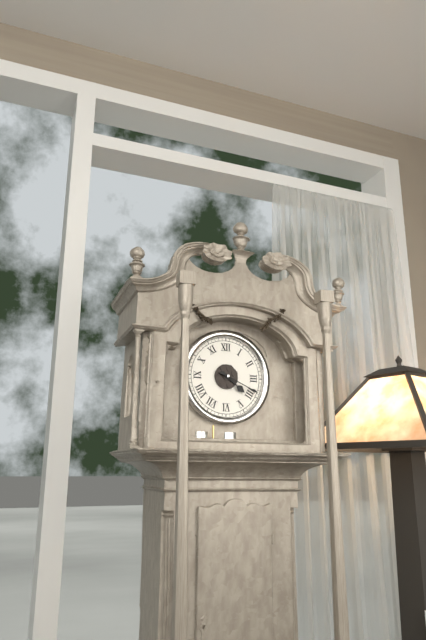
4:19
